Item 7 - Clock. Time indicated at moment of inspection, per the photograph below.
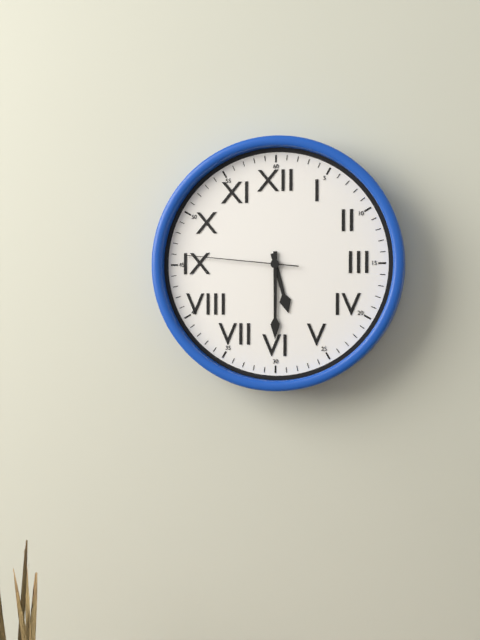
5:30:46
